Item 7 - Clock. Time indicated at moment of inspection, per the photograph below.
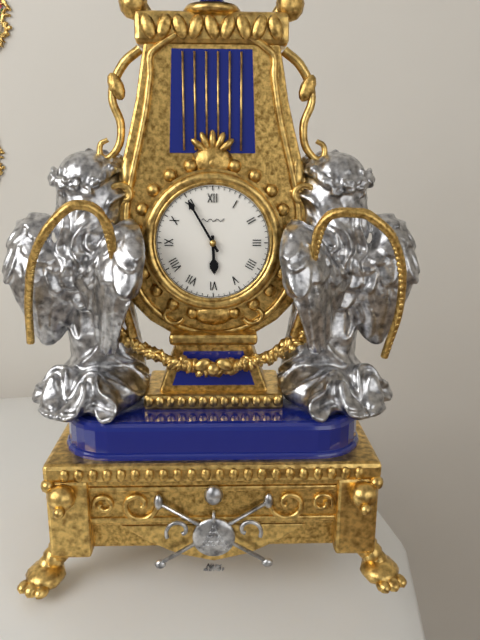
5:55
